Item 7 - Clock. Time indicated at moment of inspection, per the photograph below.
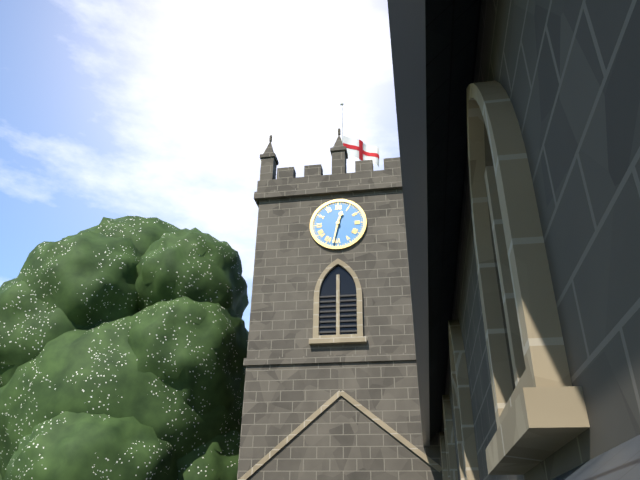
12:32
